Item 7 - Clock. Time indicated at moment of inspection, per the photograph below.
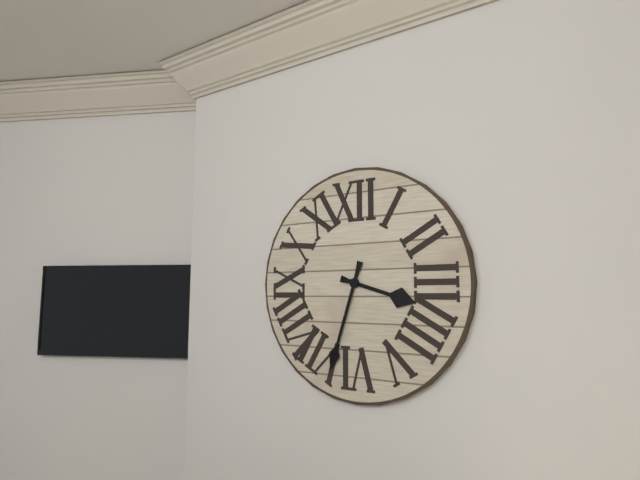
3:33
